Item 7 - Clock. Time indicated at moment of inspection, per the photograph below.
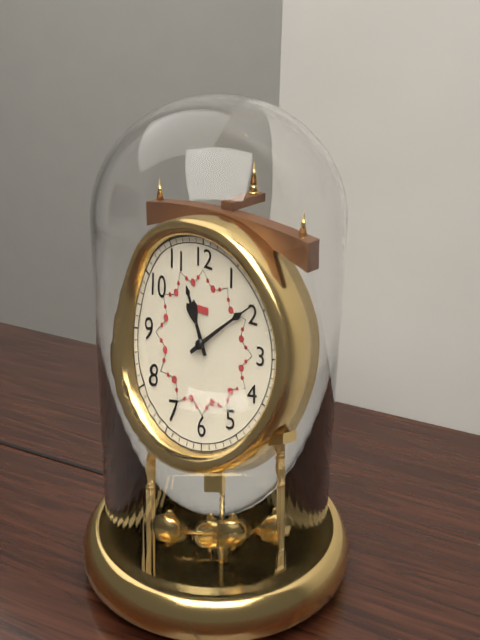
11:09
